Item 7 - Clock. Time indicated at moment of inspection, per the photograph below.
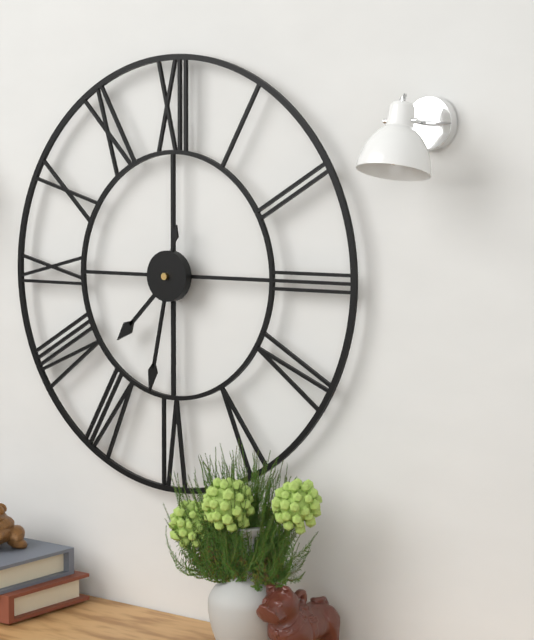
7:32
